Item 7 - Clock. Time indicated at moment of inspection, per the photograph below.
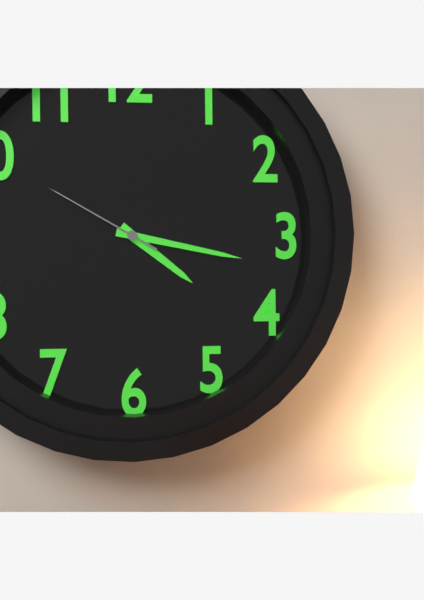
4:17:50
